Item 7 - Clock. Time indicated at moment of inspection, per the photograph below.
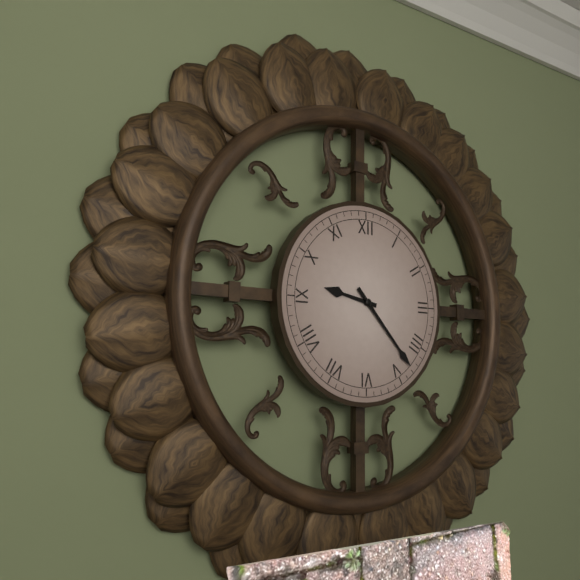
9:23
